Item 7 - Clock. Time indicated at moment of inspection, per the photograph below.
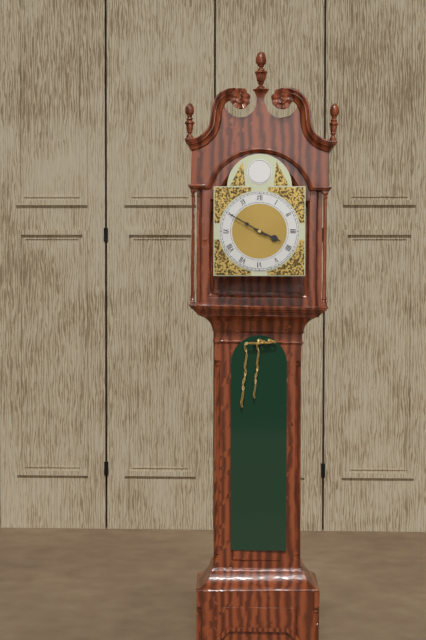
3:50
